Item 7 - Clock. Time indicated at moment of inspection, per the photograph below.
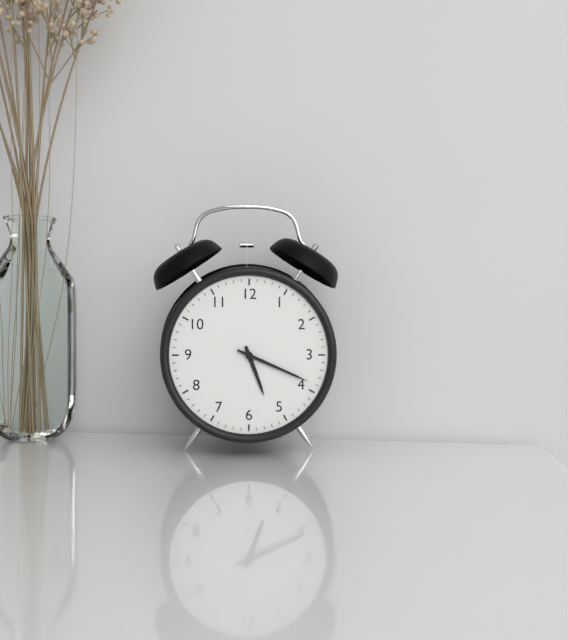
5:19
